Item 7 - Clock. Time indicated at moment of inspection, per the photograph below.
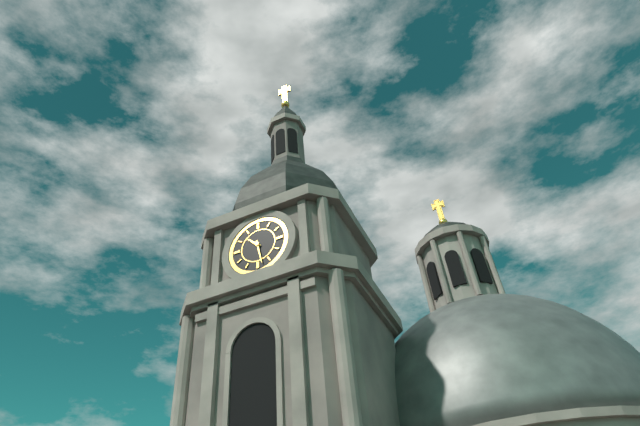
10:28
